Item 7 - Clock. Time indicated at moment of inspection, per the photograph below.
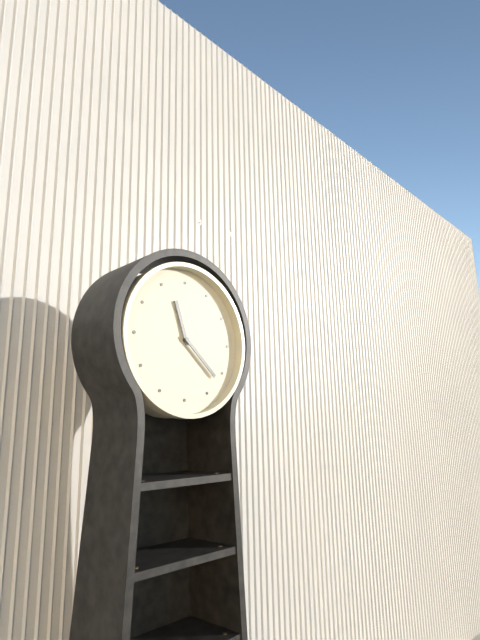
11:22
